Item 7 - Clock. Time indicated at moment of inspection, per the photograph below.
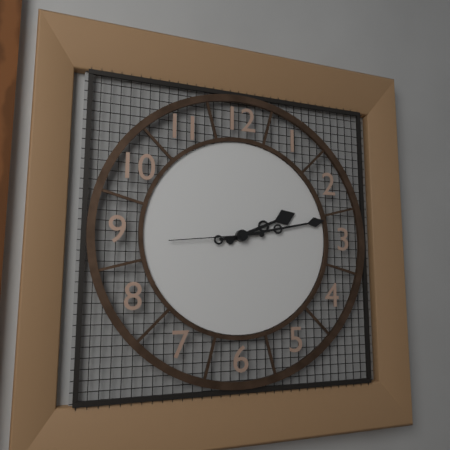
2:13:44
